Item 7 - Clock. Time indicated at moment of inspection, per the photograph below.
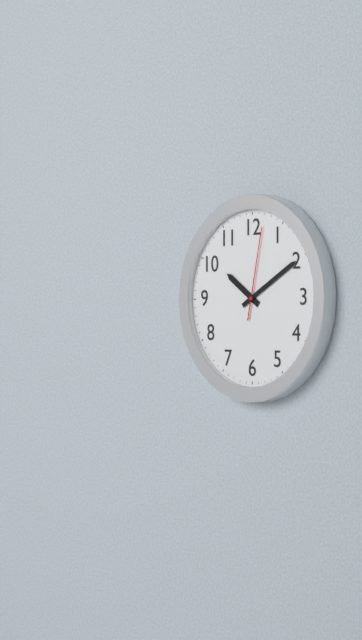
10:10:02
